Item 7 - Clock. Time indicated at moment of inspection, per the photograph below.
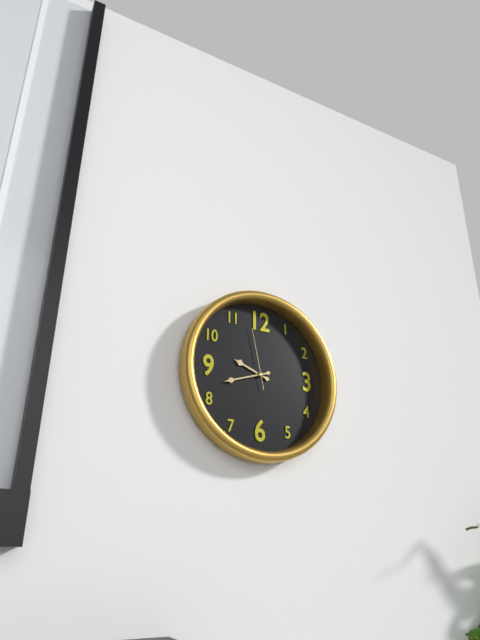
9:42:58
